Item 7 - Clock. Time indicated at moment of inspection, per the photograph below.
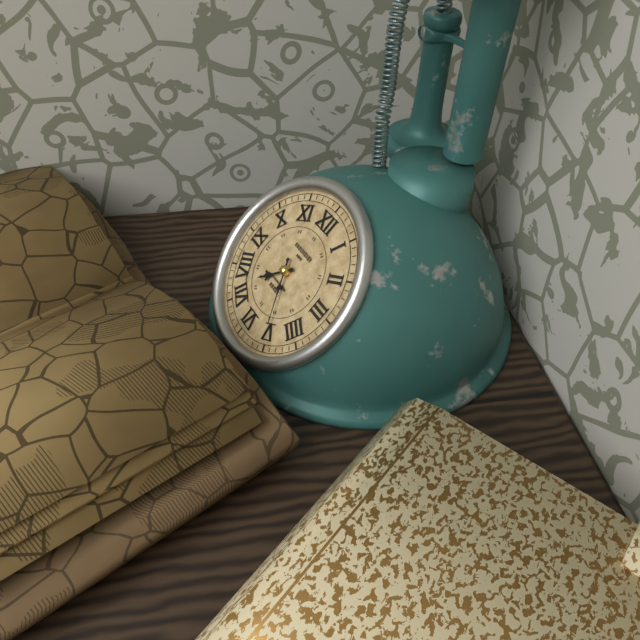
7:25
